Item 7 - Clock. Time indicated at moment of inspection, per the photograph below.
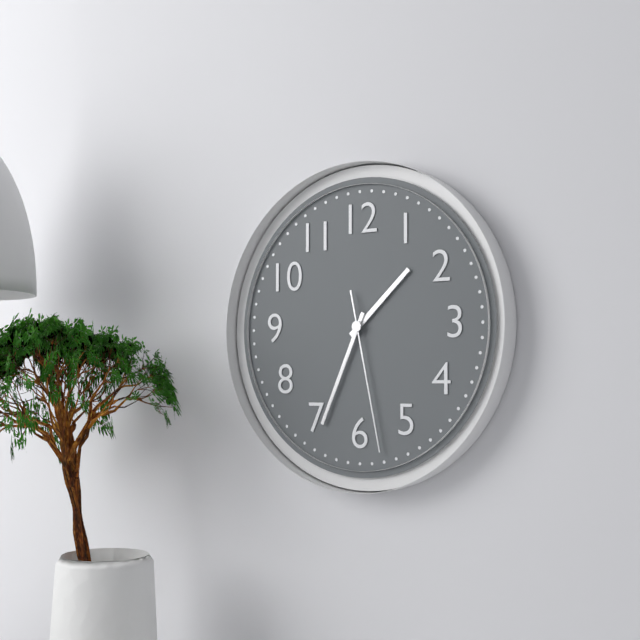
1:34:28
